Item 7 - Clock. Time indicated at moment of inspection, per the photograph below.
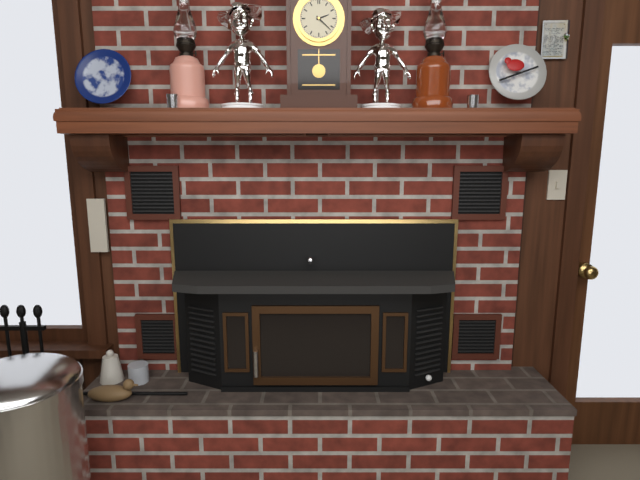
2:22
